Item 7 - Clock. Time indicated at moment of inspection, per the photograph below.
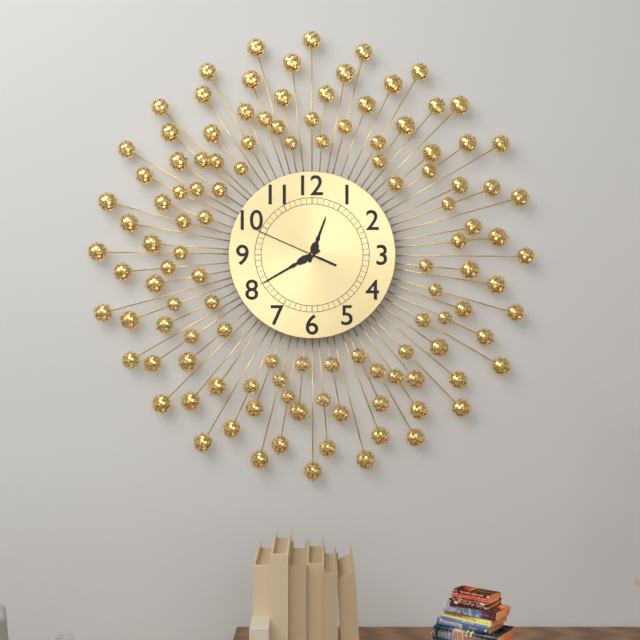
12:40:49
